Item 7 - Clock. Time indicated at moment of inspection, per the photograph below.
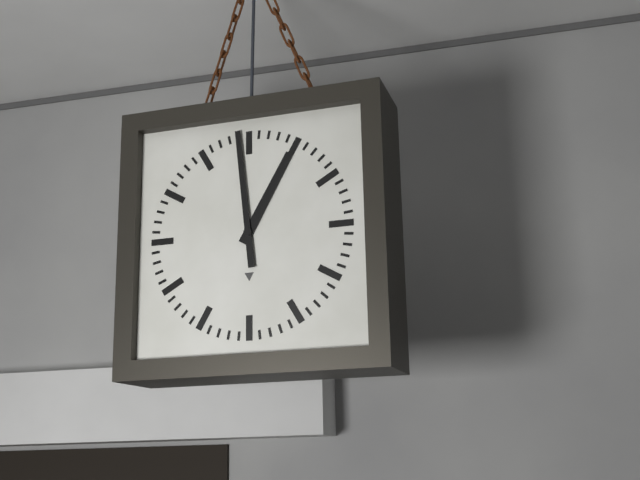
12:59
